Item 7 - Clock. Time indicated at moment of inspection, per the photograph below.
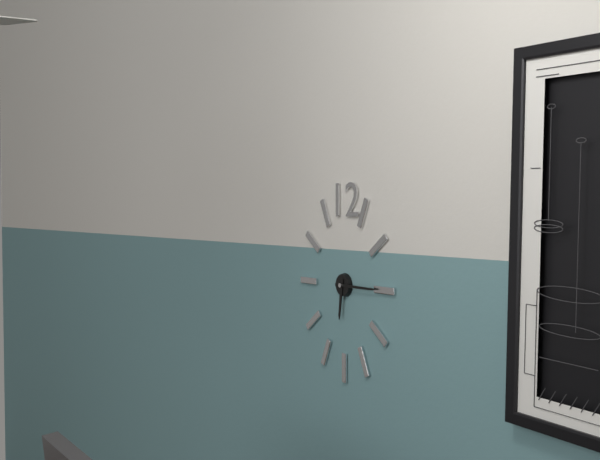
6:15
